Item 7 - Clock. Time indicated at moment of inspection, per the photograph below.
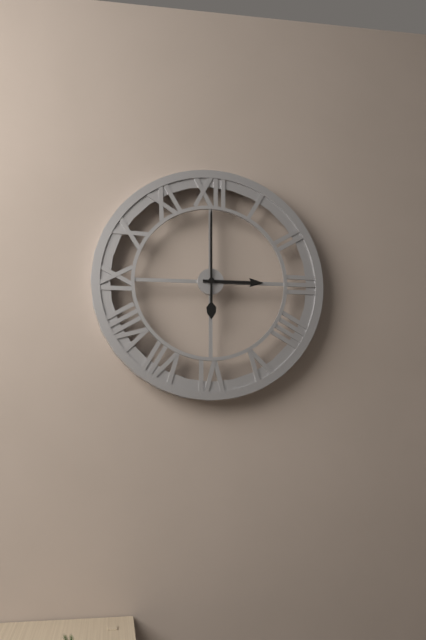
3:00
